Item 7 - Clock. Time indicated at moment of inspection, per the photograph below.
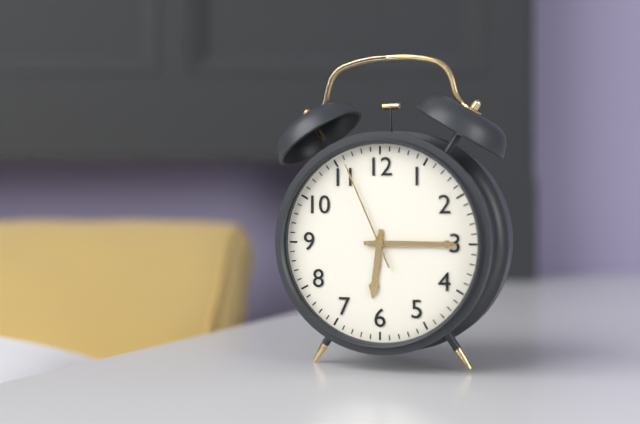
6:15:56
